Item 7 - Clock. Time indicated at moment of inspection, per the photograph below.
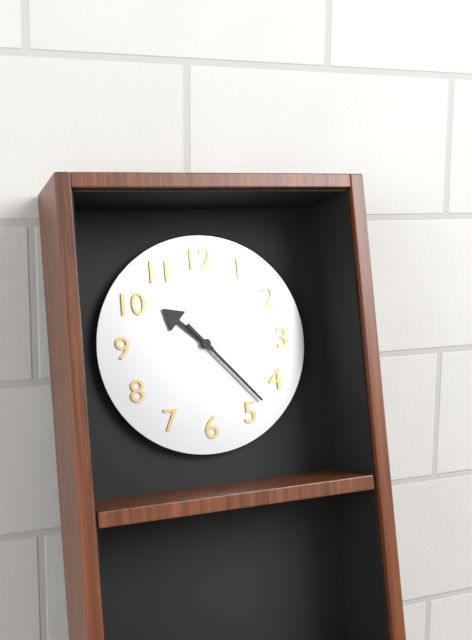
10:23
